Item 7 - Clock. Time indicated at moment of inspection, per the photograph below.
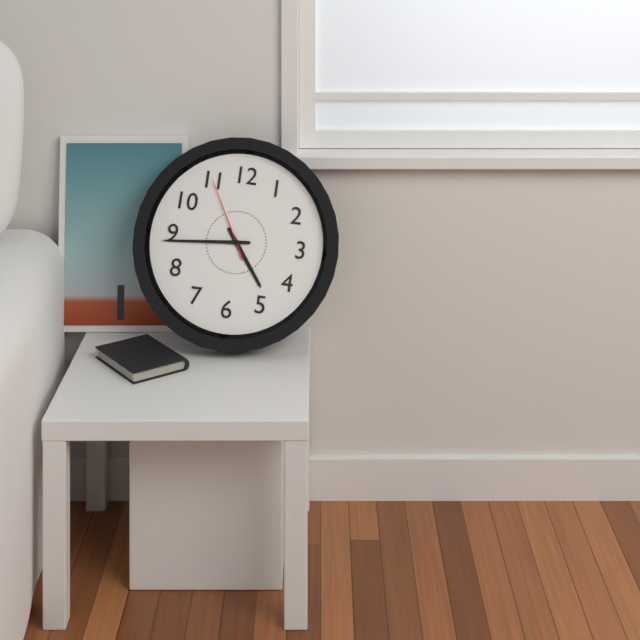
4:44:55
